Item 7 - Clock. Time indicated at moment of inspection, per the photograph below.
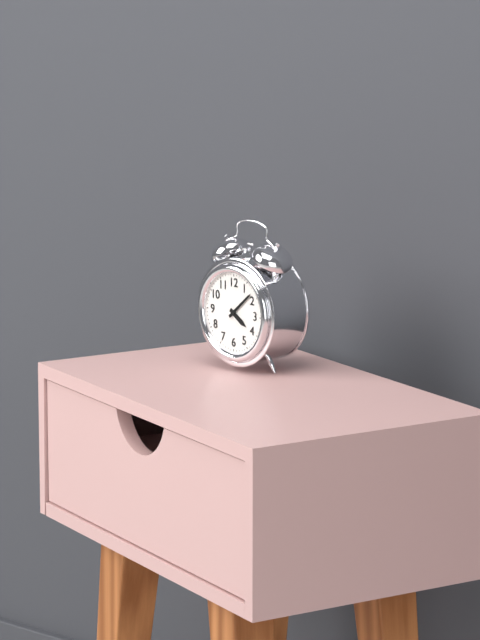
4:08
